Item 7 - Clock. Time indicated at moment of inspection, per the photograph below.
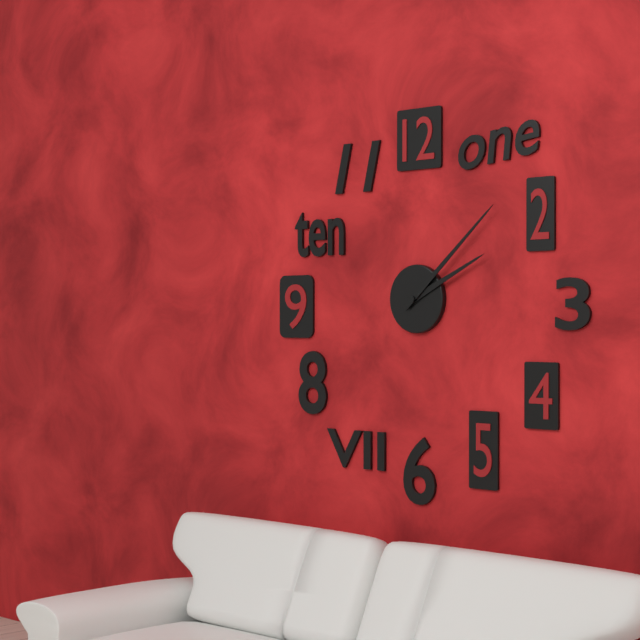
2:08
